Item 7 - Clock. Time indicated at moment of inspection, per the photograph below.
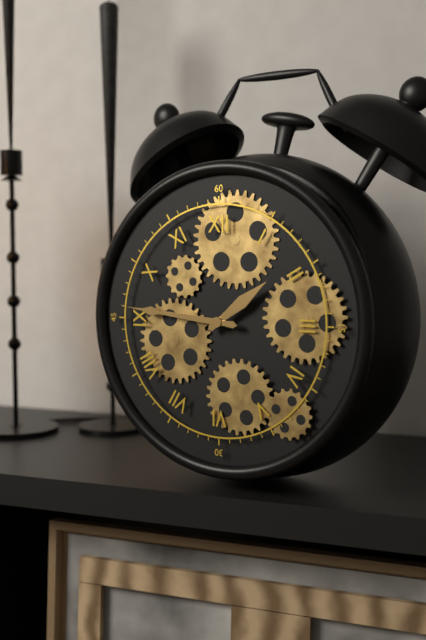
1:46
